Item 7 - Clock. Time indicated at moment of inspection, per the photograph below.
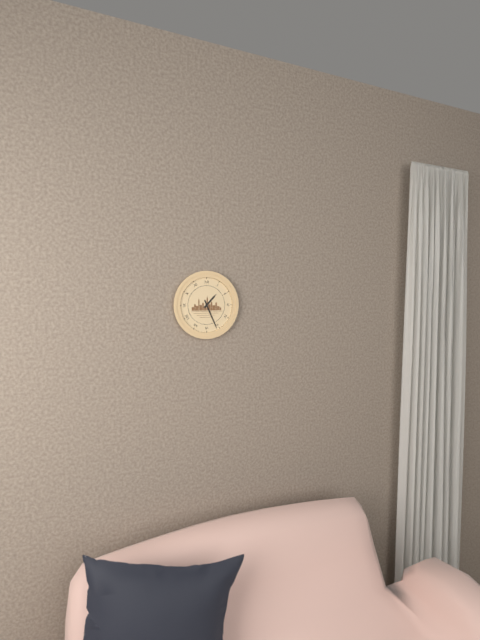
1:26
